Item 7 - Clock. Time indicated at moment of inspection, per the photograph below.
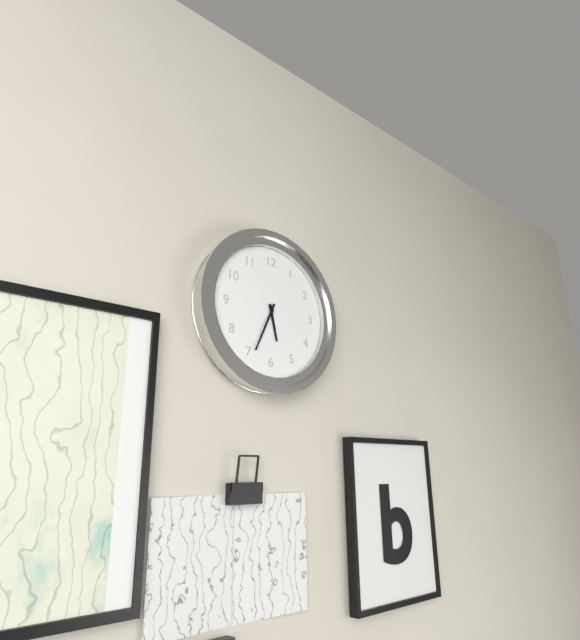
5:34
